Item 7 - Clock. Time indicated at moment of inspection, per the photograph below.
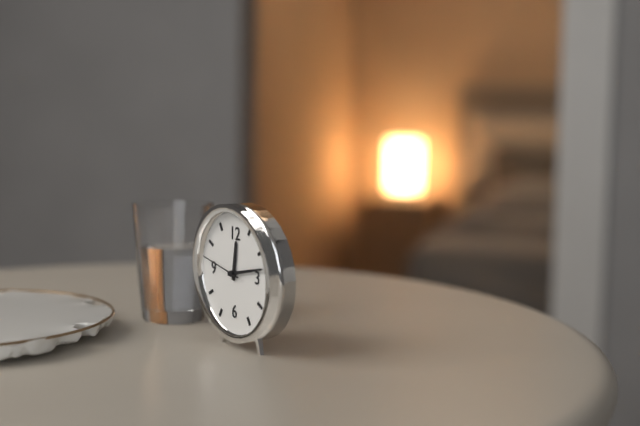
12:13
